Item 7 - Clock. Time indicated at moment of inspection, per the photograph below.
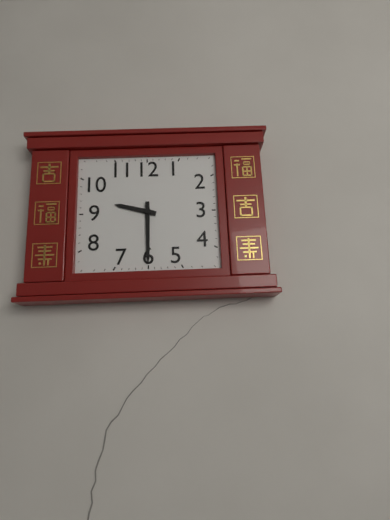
9:30
